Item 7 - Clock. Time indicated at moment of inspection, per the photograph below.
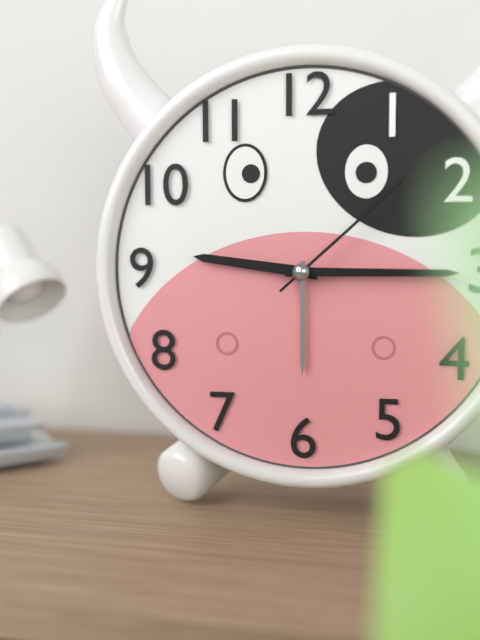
9:15:08
